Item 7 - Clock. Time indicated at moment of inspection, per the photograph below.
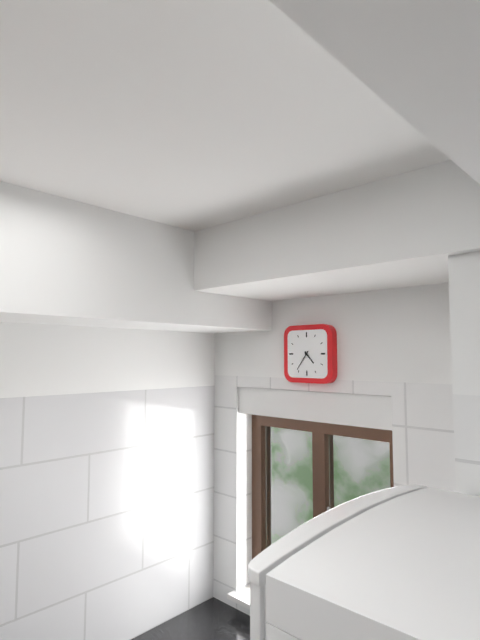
4:36
